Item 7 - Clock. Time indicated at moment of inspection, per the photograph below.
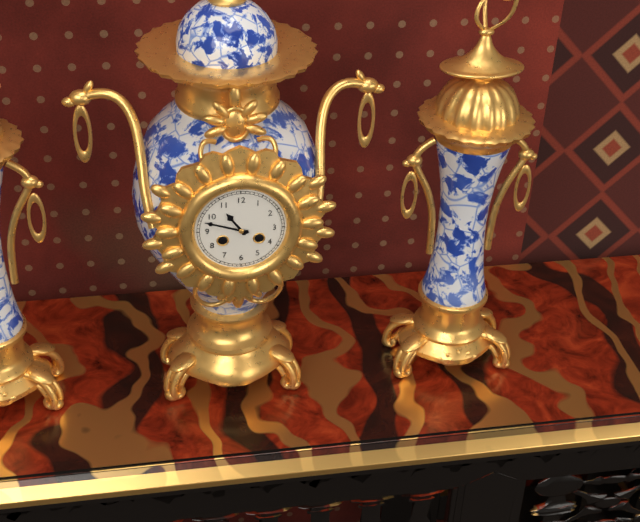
10:48
